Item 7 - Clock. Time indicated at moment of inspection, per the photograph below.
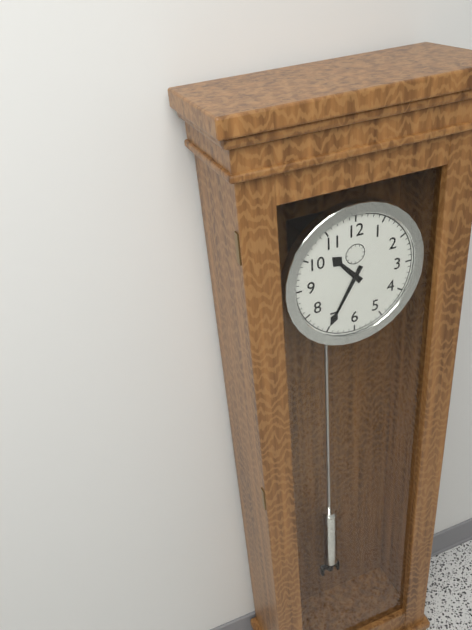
10:35
